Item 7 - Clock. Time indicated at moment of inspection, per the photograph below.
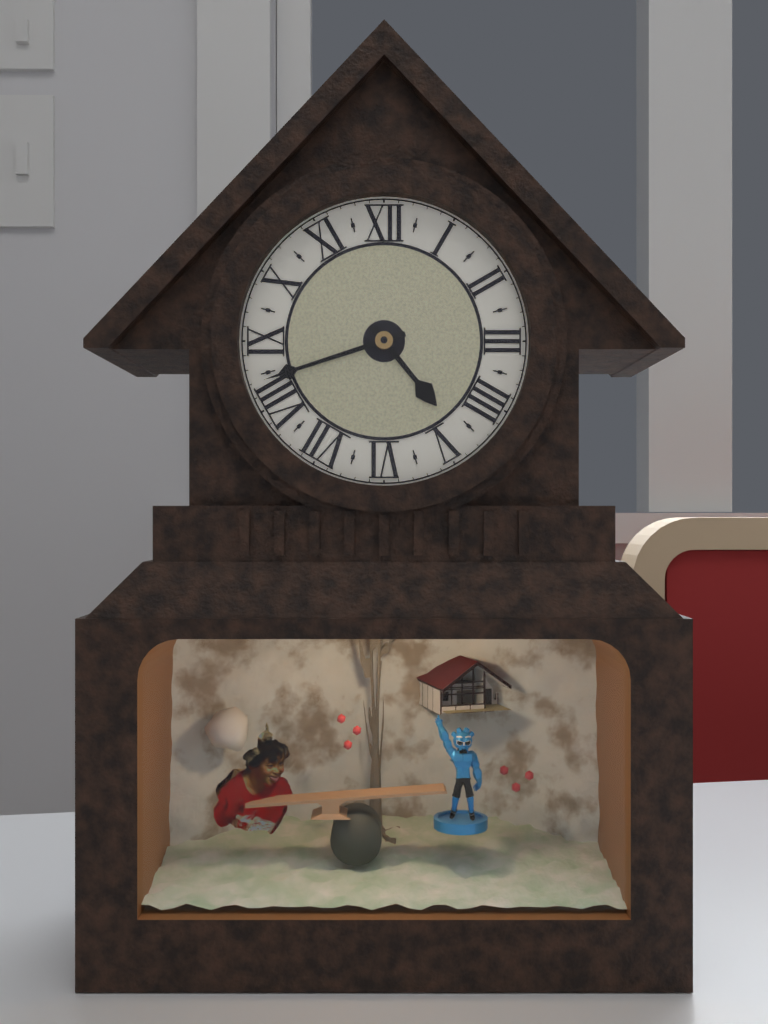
4:42
